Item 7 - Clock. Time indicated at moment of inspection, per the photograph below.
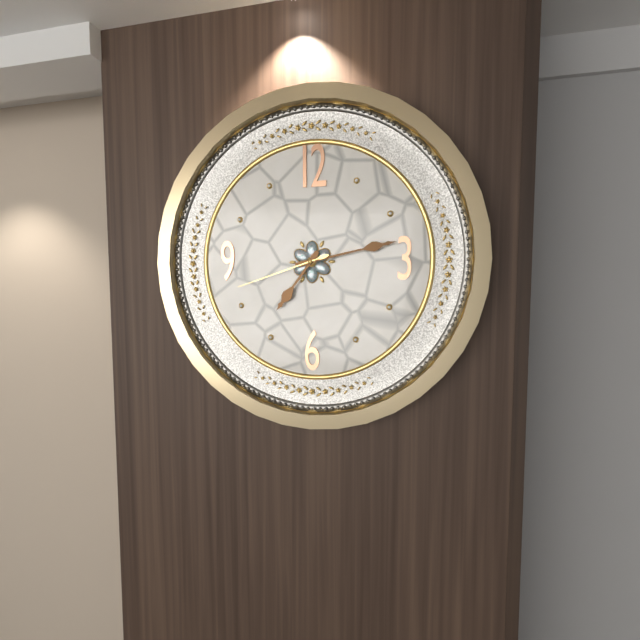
7:13:42
